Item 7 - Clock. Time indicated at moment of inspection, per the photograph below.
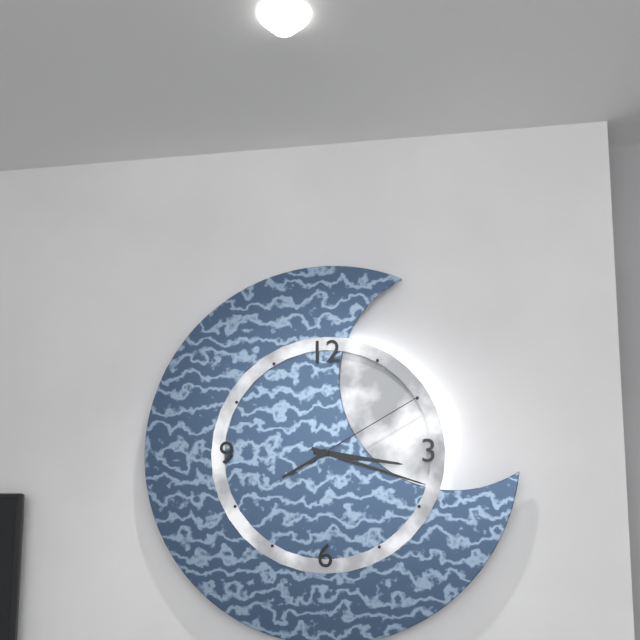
3:18:10
